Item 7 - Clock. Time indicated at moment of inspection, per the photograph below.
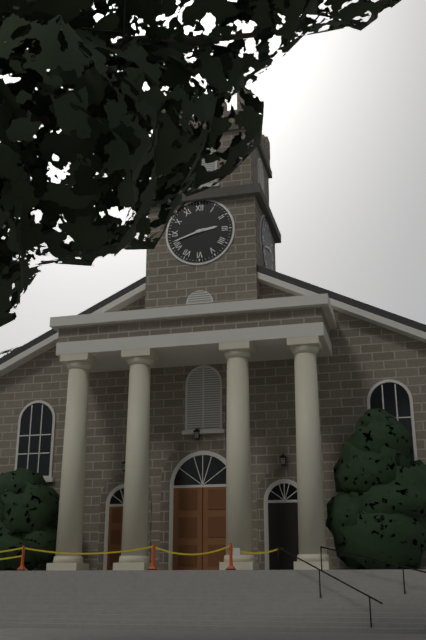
2:42
